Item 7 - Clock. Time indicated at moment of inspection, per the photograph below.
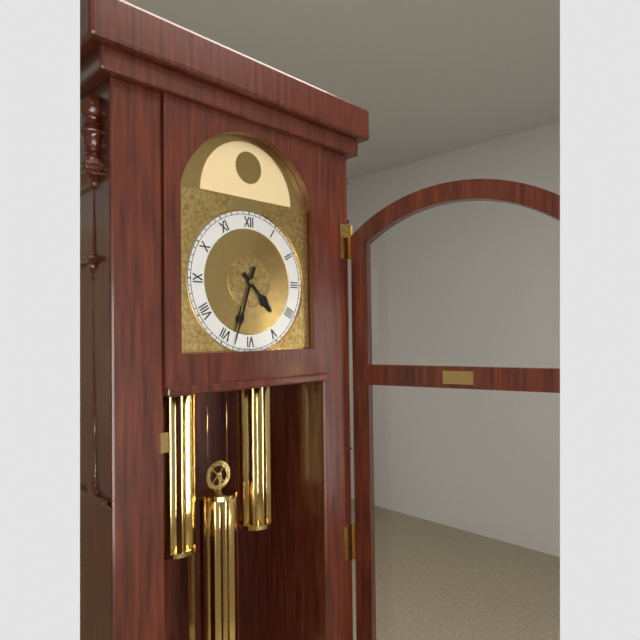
4:33
